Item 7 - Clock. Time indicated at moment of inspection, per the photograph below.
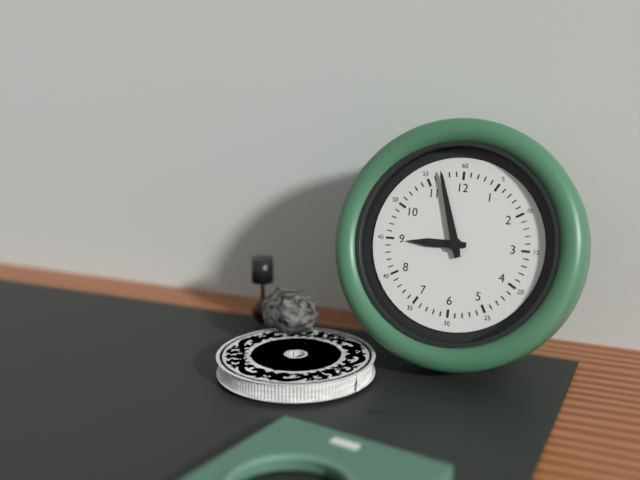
8:57
